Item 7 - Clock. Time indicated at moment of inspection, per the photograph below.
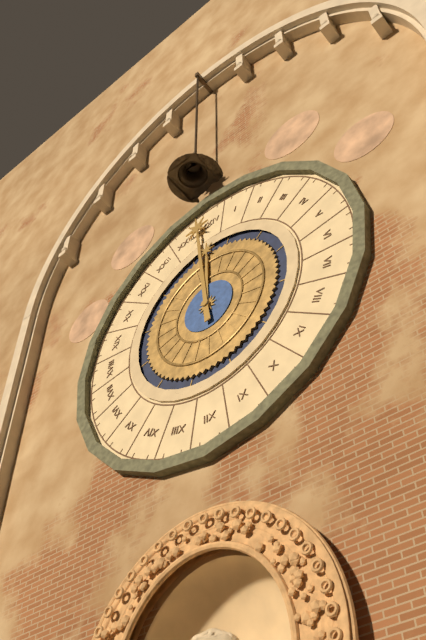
11:59
